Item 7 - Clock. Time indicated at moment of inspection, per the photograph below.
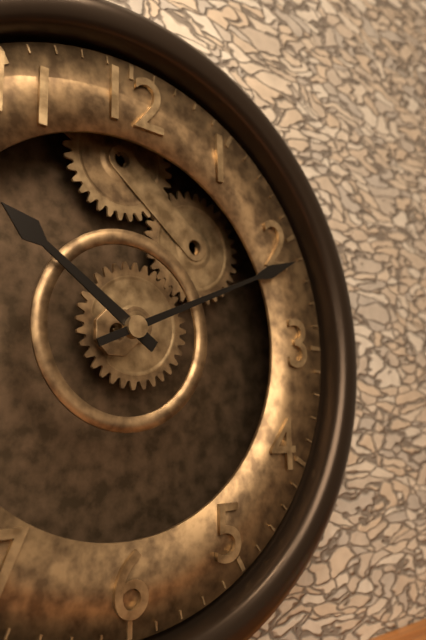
10:11
